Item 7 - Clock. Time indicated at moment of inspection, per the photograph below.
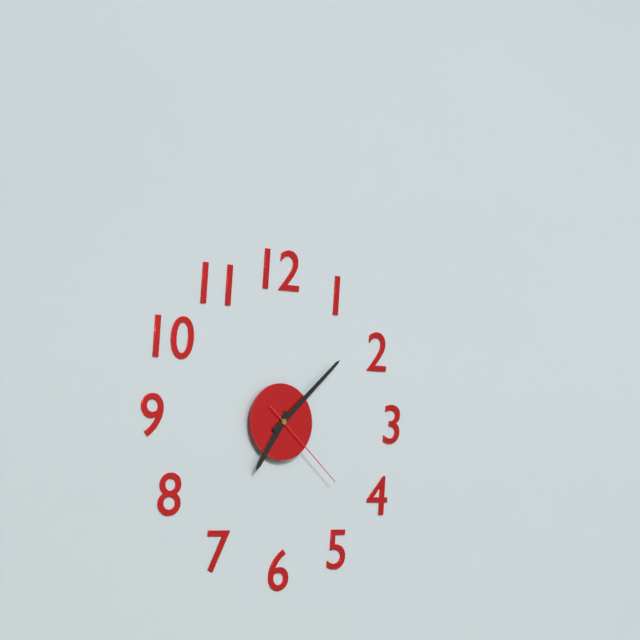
7:08:22
